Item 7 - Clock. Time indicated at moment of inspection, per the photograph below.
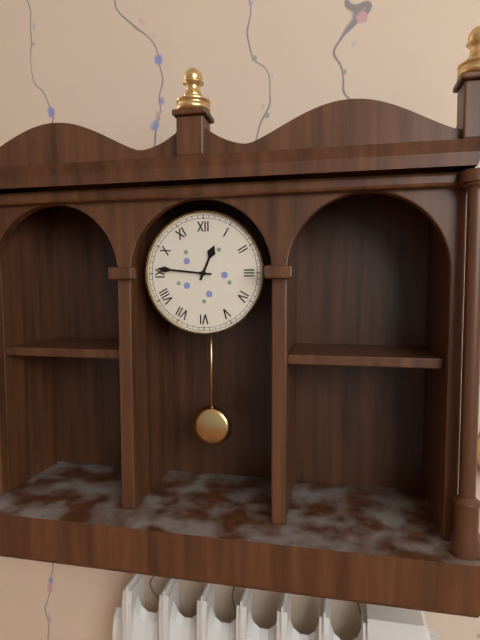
12:46
